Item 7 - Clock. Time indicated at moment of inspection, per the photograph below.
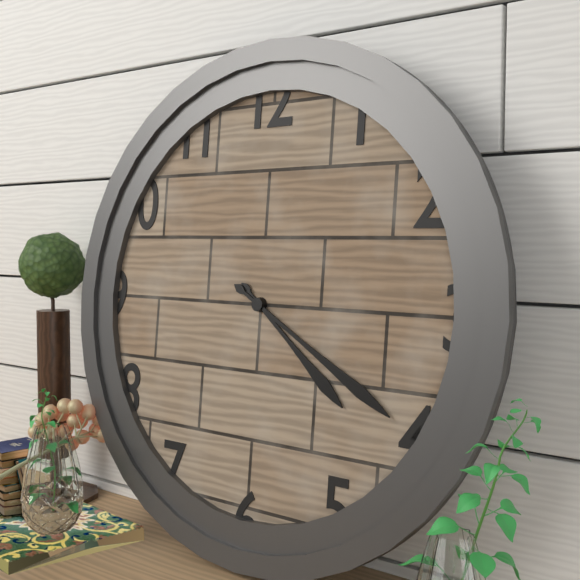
4:20
